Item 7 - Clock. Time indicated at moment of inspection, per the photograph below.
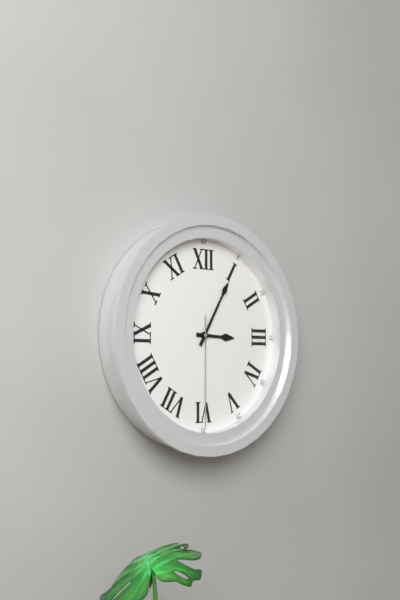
3:05:30
